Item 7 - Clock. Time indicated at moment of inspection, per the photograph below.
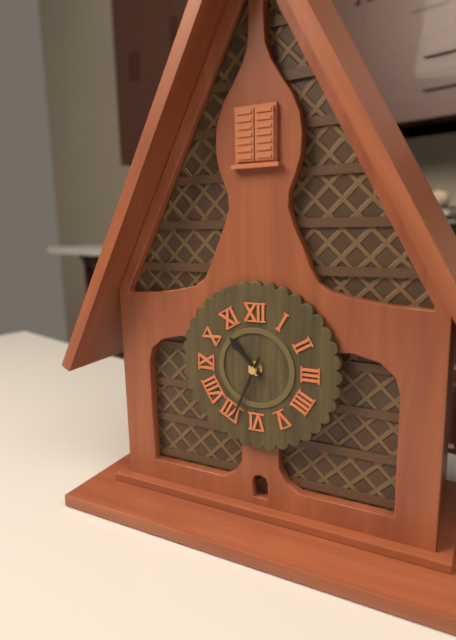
10:34
